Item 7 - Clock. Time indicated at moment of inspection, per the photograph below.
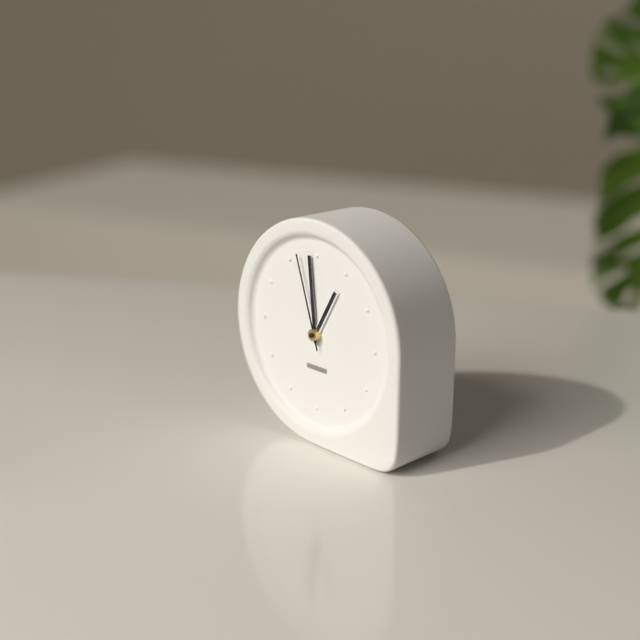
12:59:57
